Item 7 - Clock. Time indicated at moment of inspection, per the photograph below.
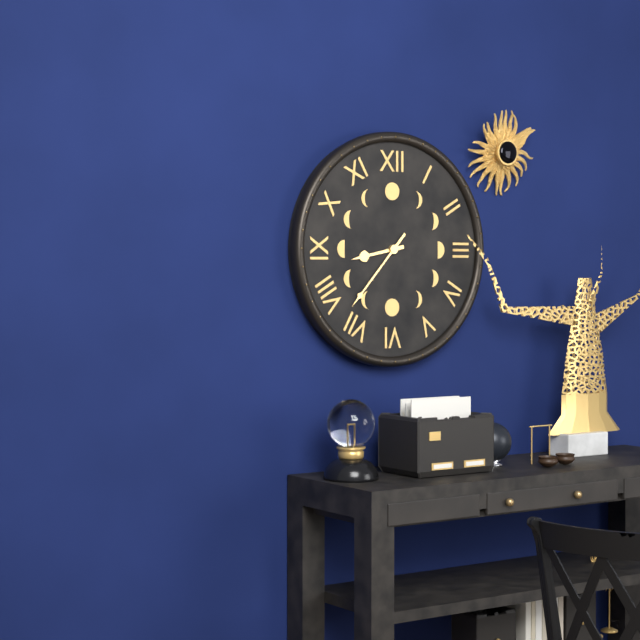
8:37
